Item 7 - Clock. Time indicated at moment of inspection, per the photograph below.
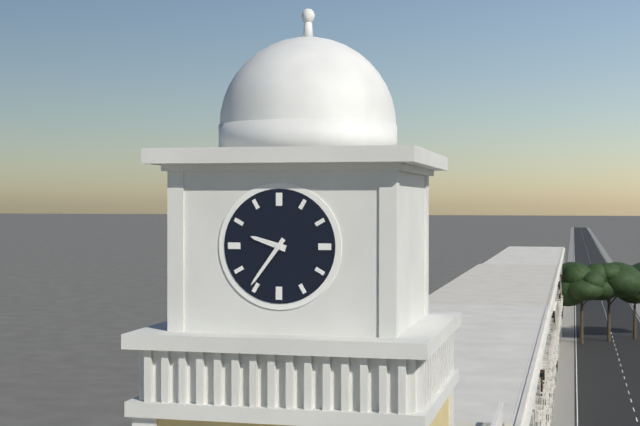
9:36
